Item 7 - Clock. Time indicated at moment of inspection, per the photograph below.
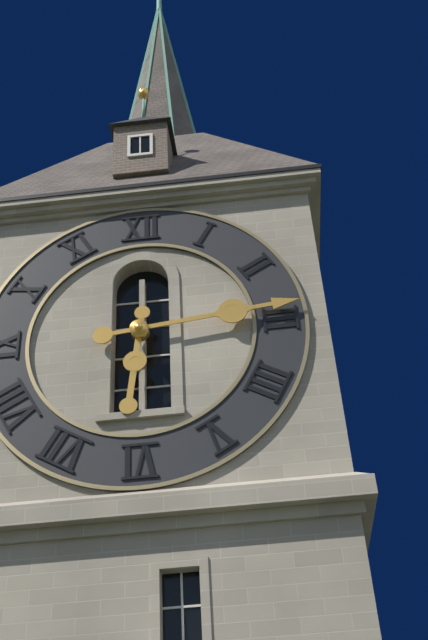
6:14
